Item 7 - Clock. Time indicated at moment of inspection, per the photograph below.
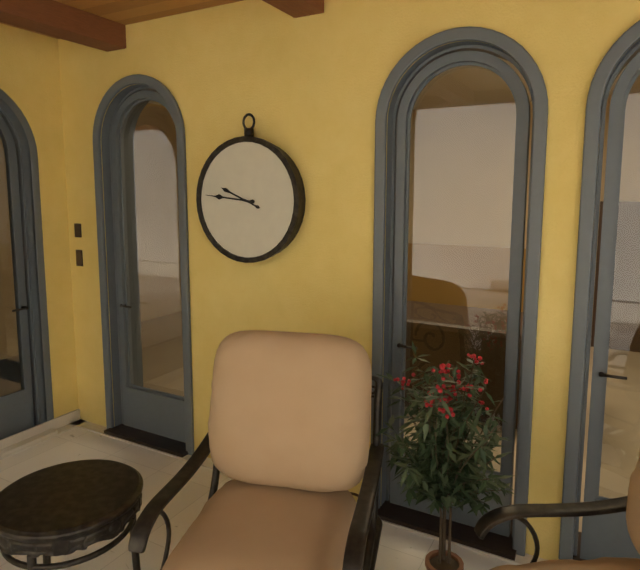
9:46
